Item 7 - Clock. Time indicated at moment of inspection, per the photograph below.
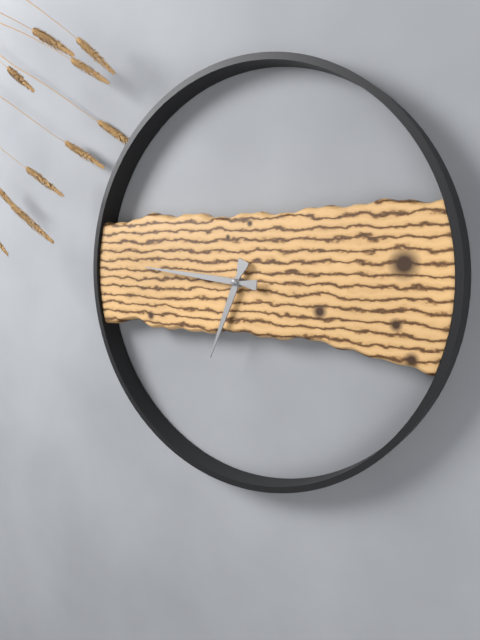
6:46
